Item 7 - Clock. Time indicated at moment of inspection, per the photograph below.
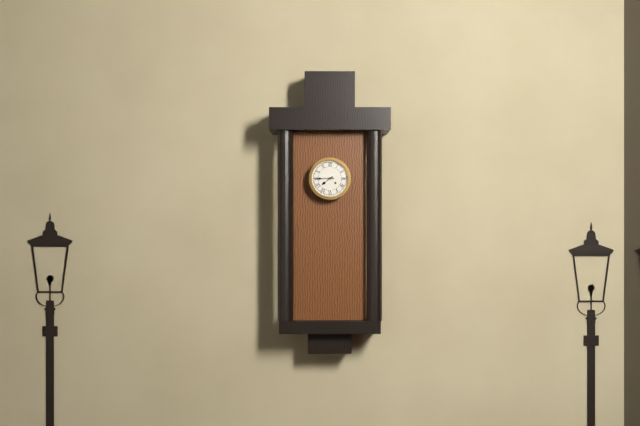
7:45
